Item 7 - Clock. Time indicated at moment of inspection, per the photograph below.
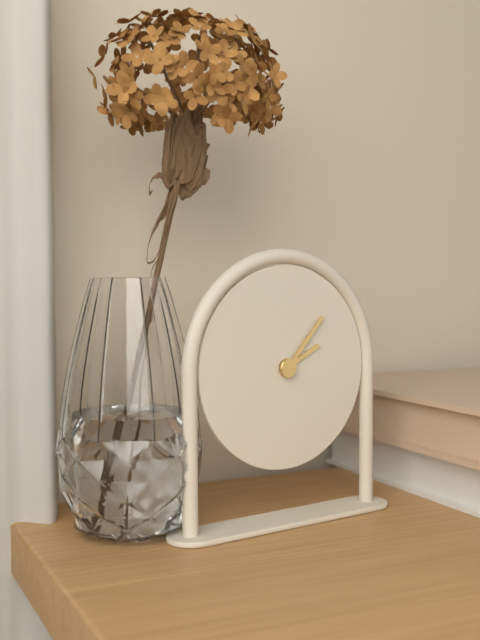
2:07
